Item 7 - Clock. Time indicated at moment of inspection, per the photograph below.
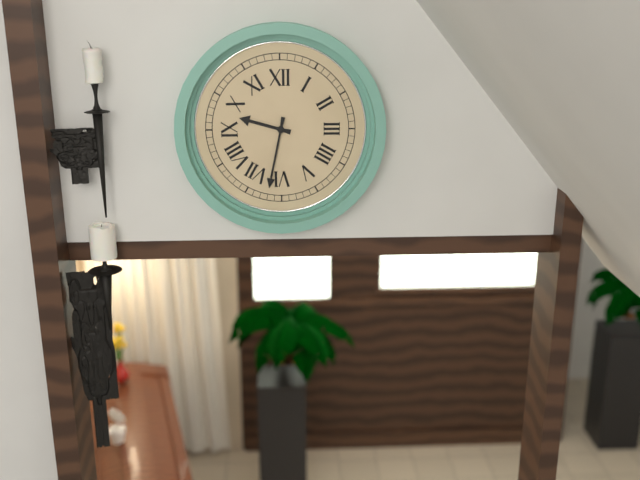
9:32
